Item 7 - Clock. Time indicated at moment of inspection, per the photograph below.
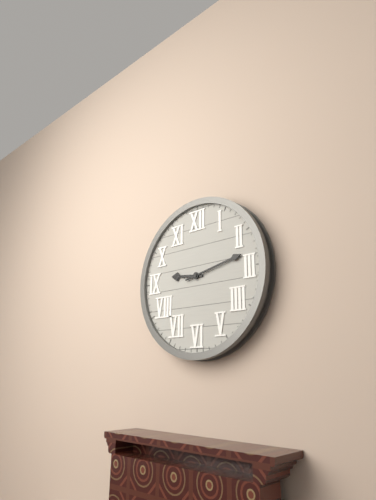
9:13
